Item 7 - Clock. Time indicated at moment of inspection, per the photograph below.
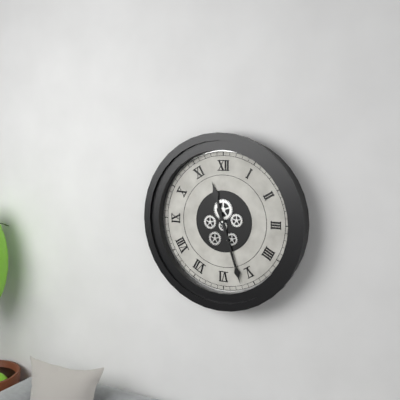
11:27
